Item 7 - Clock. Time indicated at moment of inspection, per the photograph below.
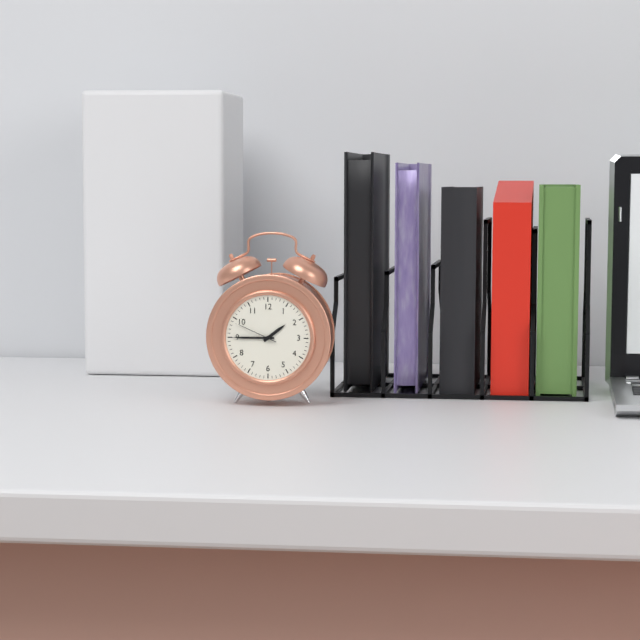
1:45
